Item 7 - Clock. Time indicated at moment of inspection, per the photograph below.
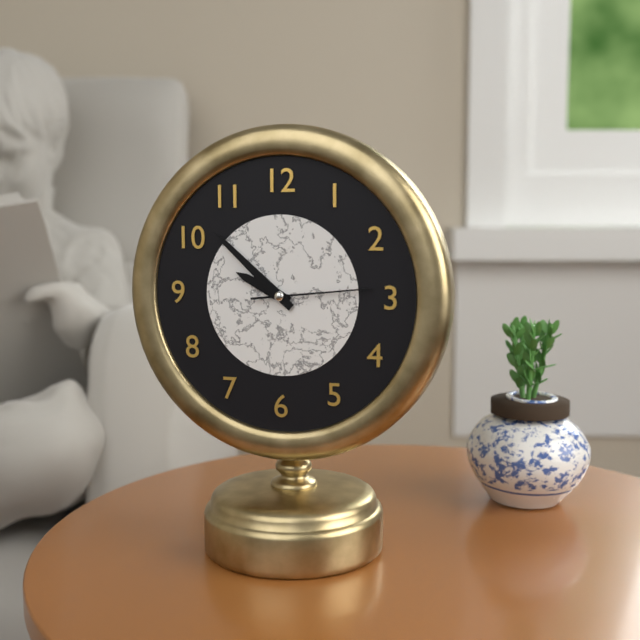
9:52:14
